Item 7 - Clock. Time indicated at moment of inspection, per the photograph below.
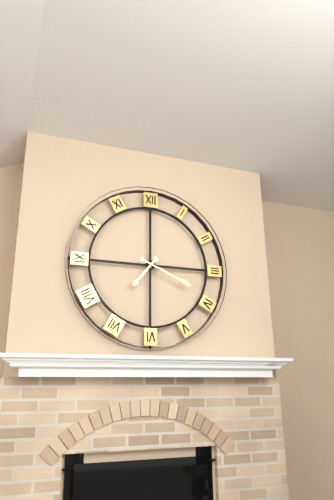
7:19
